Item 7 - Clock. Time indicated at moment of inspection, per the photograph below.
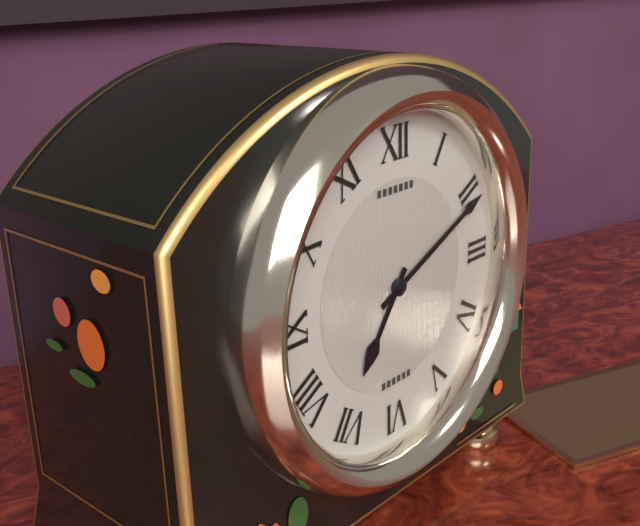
7:11
